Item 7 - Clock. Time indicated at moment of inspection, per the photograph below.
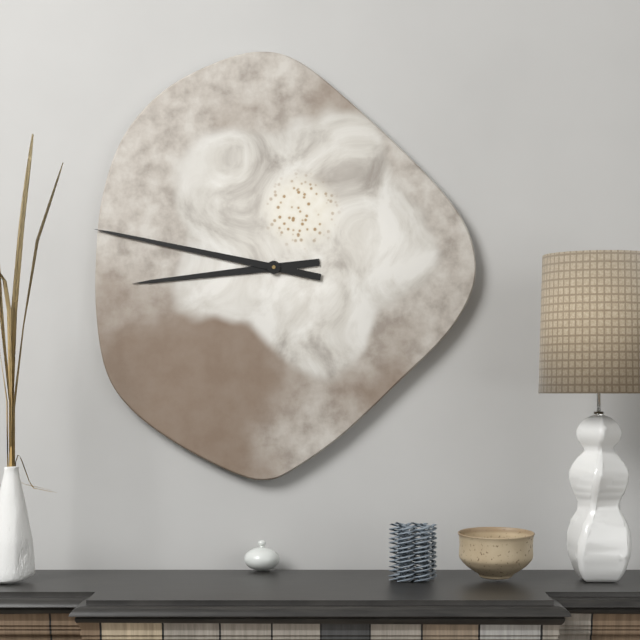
8:47
